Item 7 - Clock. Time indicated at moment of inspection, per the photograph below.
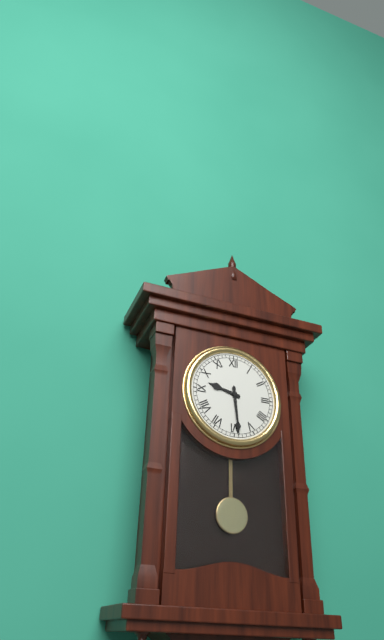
9:29
